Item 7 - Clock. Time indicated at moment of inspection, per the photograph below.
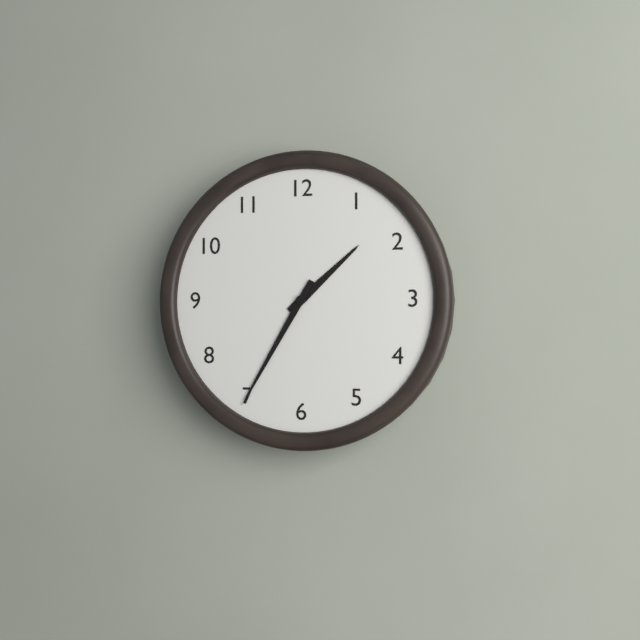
1:35
